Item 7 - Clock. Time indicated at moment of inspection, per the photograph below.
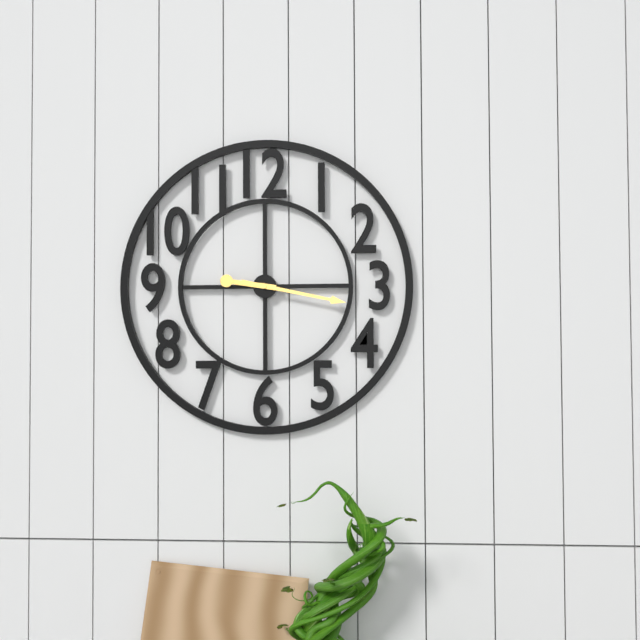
9:17
